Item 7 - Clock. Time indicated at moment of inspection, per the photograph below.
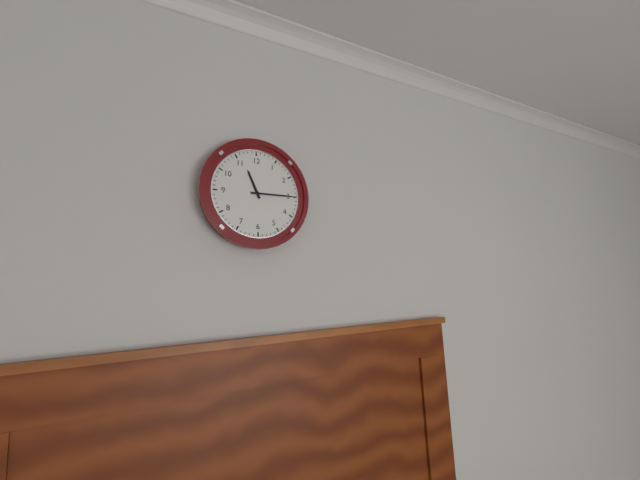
11:15
